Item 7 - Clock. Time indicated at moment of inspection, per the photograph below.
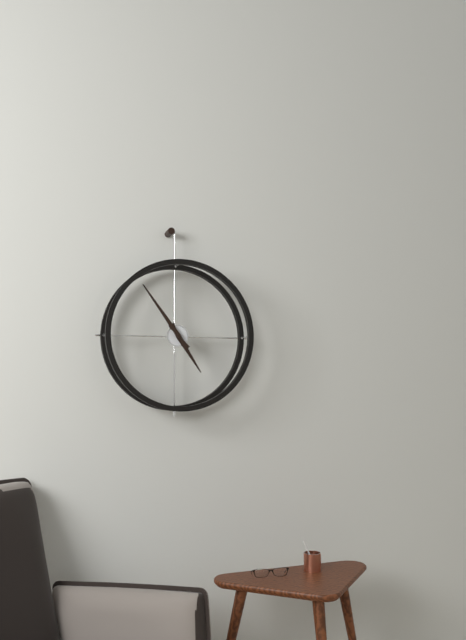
4:54
